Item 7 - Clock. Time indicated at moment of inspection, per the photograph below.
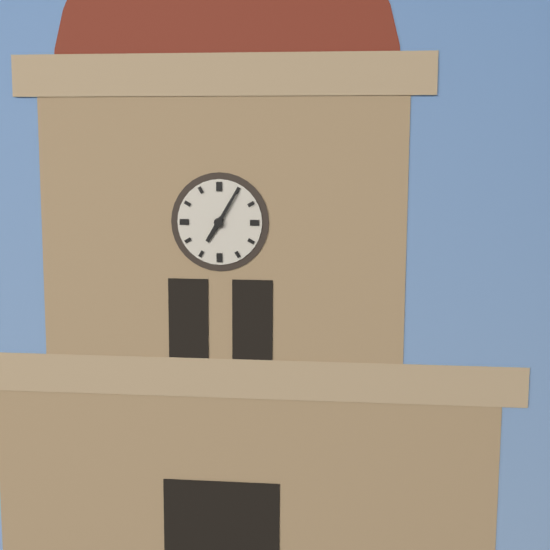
7:05
